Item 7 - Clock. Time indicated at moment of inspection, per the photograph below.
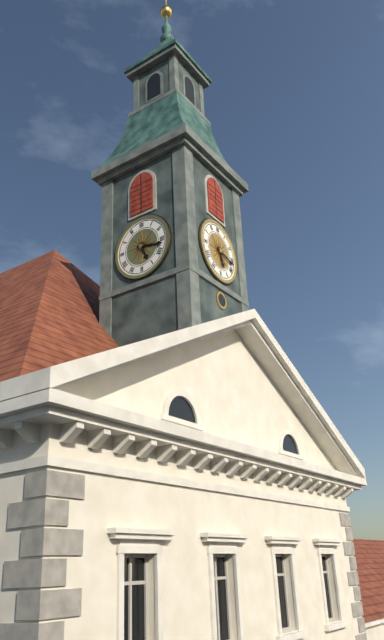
5:17
